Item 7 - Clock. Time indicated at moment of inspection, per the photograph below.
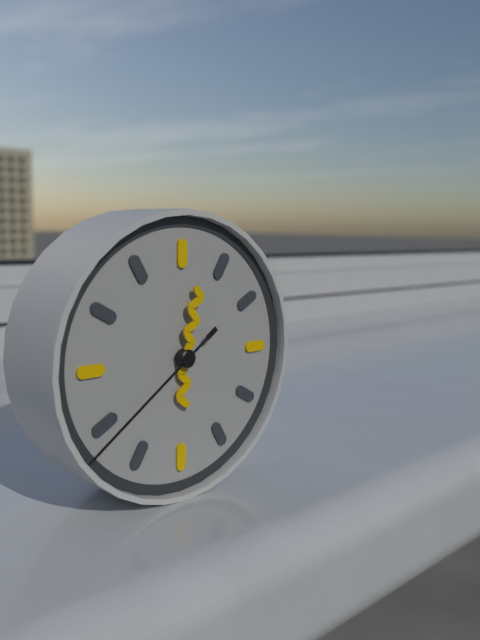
6:02:39
